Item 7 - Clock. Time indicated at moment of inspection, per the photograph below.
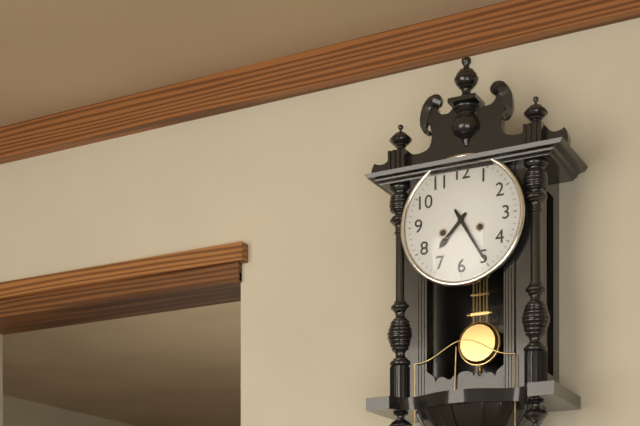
7:25
